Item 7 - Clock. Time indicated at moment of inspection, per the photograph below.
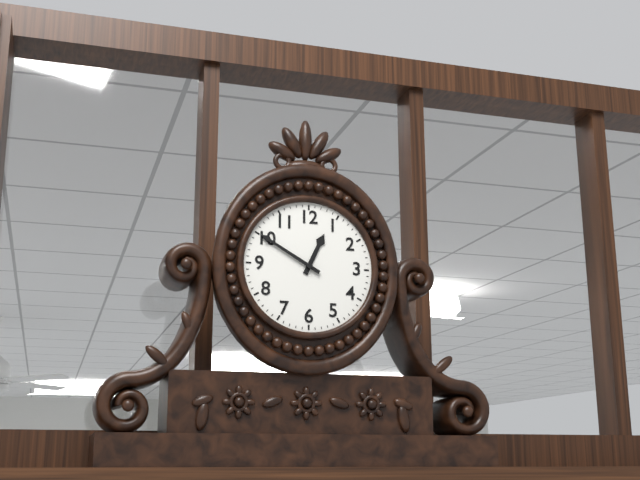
12:50
